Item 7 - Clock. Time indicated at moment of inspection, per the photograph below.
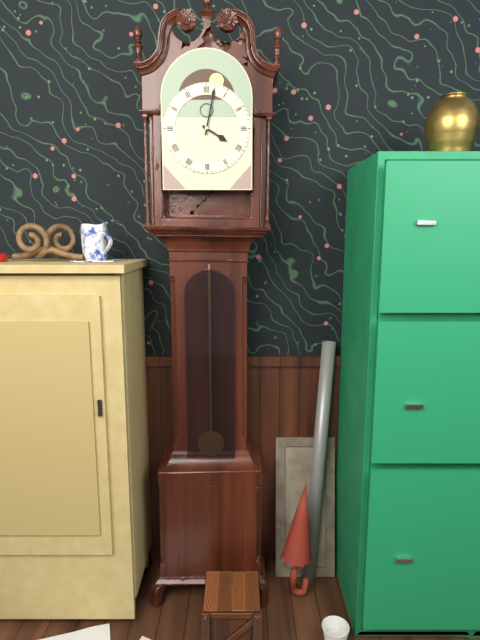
4:02
